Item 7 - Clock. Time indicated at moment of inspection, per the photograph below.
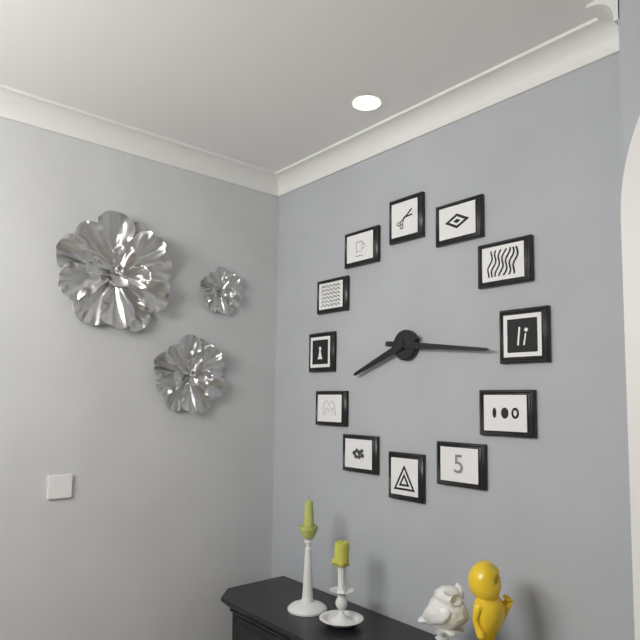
8:16
